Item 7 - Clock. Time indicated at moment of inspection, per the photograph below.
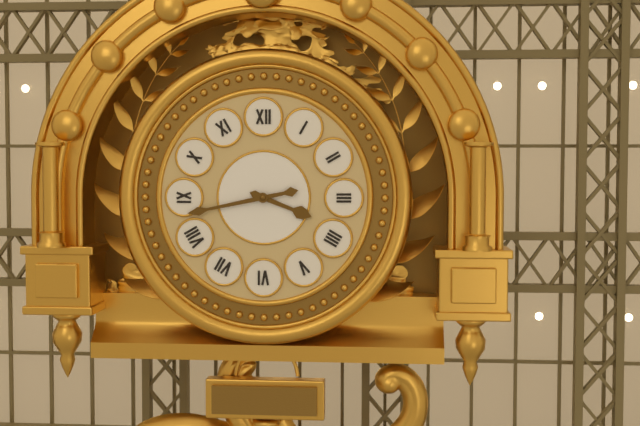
3:43
